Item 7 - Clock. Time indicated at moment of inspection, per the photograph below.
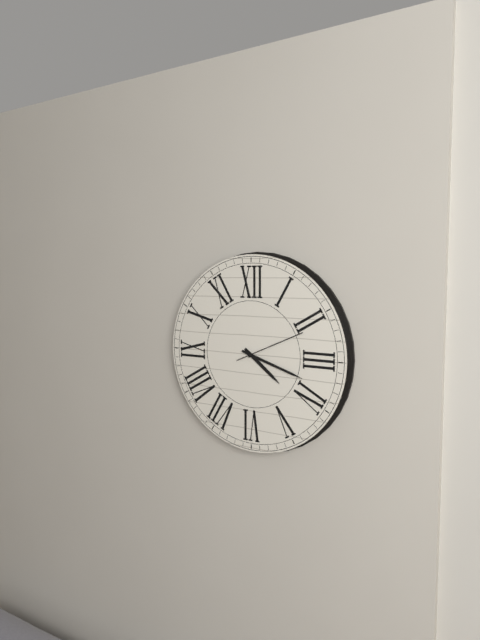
4:18:11
